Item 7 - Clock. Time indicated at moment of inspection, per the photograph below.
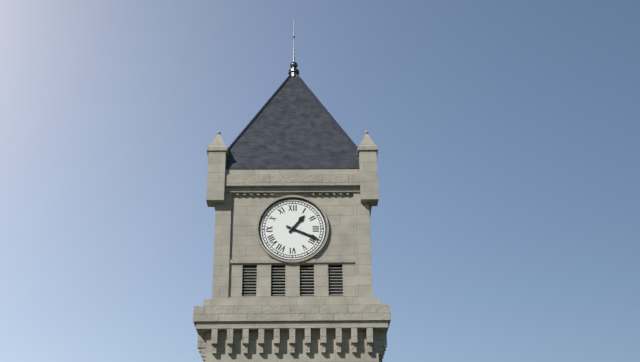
1:19
